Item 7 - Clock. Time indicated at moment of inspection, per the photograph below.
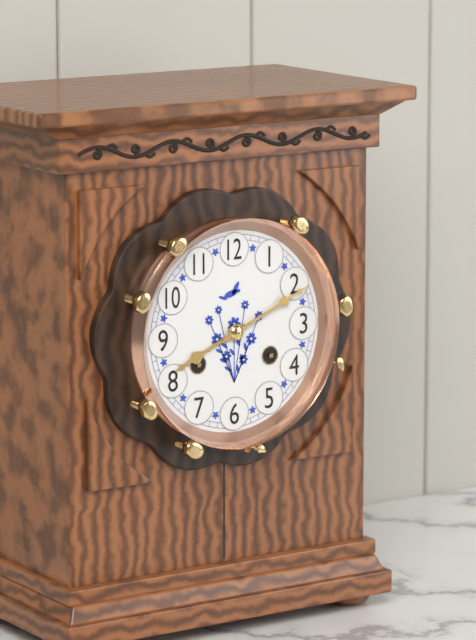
8:11
